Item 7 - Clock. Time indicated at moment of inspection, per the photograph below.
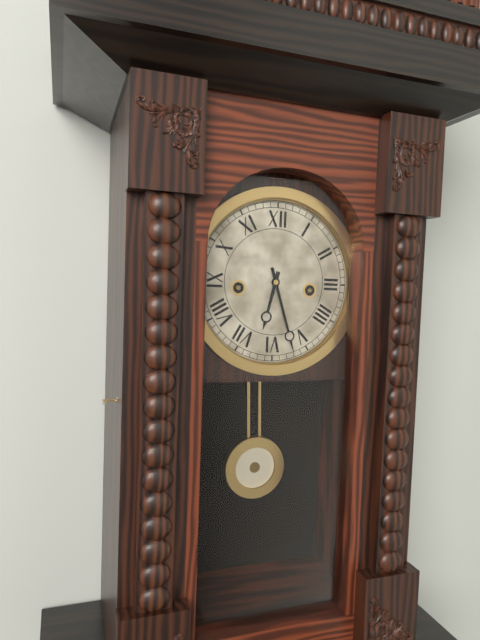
6:27
